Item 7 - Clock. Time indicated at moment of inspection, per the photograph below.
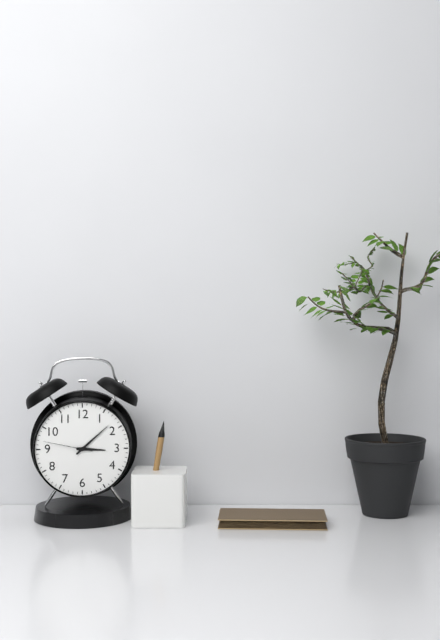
3:08
